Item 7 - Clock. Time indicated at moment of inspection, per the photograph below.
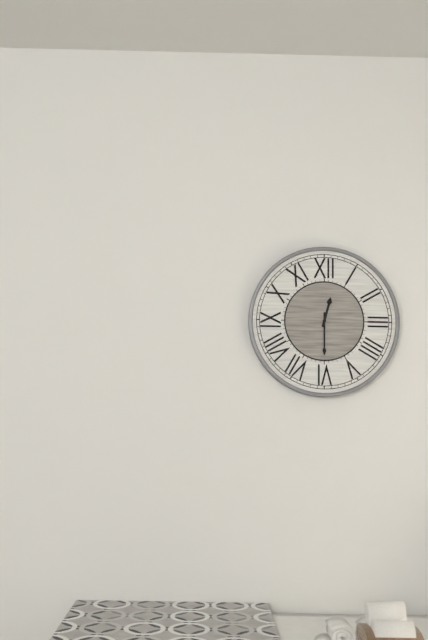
12:30
